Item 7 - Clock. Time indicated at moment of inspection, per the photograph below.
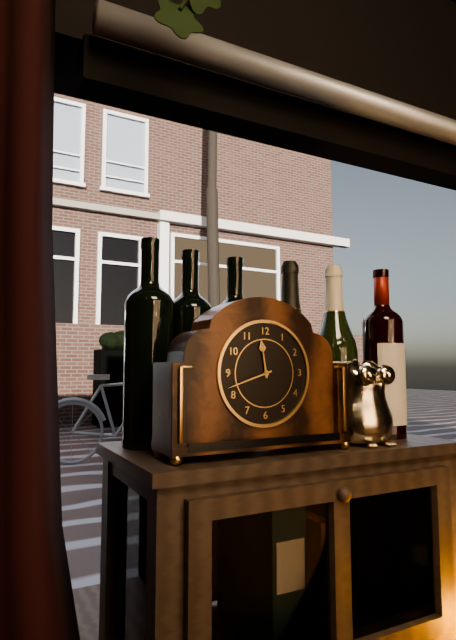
11:42
